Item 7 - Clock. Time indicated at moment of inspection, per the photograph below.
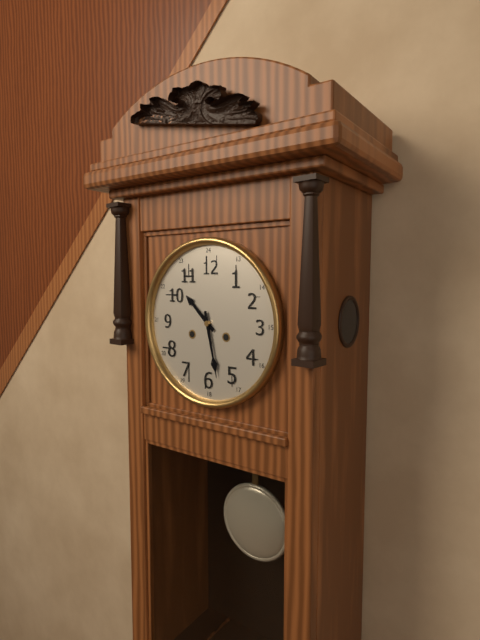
10:28
